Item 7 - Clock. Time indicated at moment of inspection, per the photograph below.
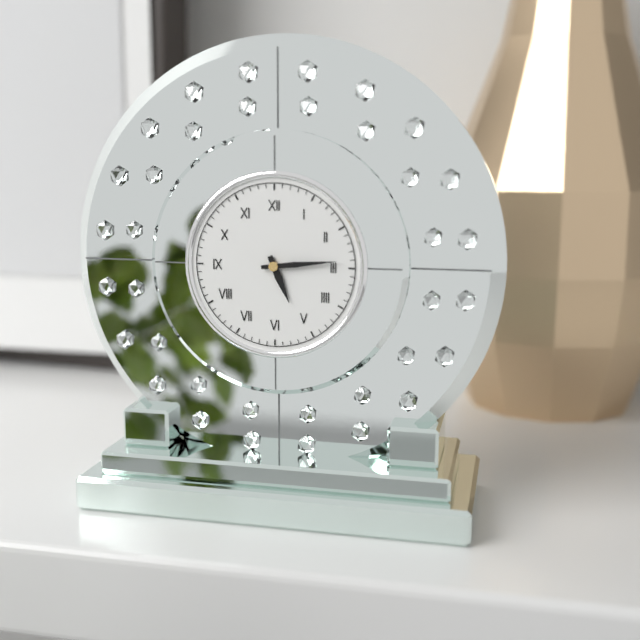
5:14
